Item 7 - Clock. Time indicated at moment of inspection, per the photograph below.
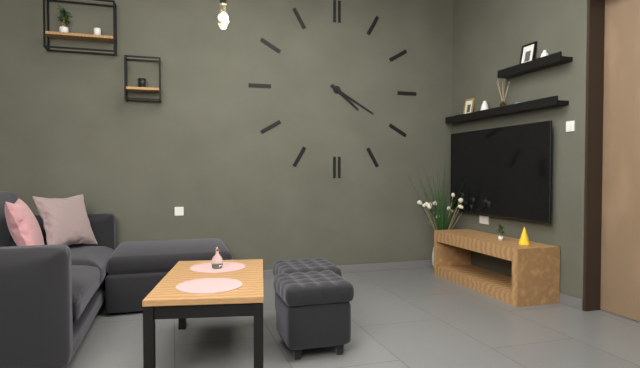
4:20
